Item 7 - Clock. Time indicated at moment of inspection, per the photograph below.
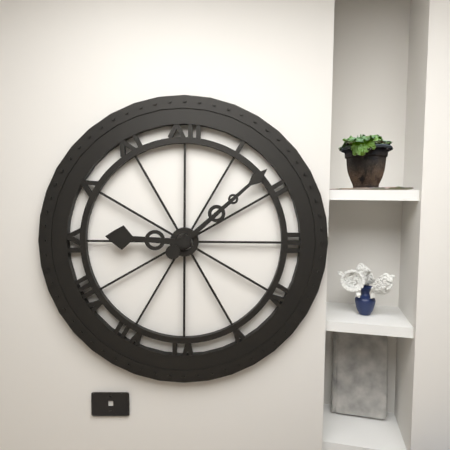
9:08
